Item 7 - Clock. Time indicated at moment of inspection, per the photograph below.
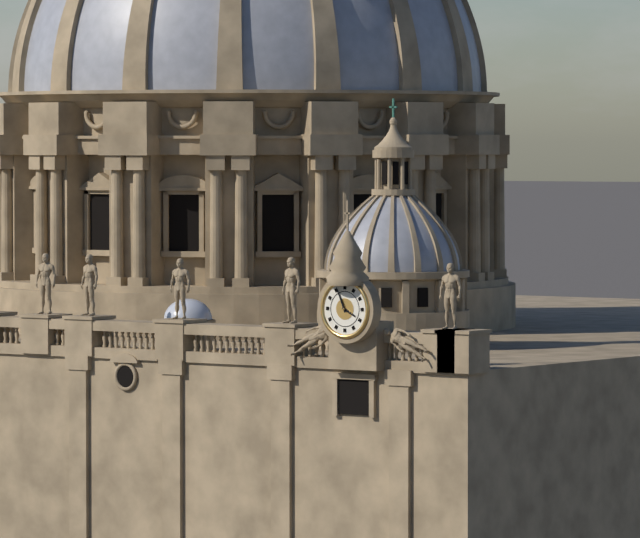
3:56
